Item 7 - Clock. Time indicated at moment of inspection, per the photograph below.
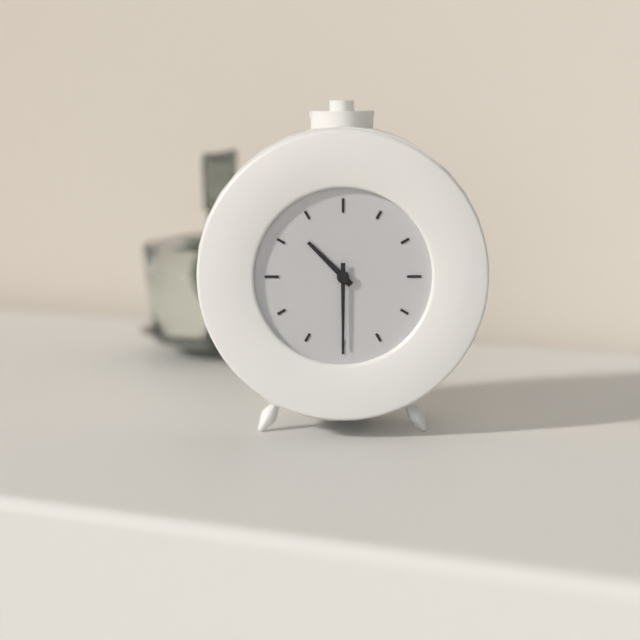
10:30
